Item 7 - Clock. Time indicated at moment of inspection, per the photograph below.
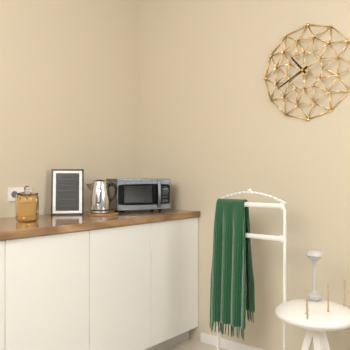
10:40
